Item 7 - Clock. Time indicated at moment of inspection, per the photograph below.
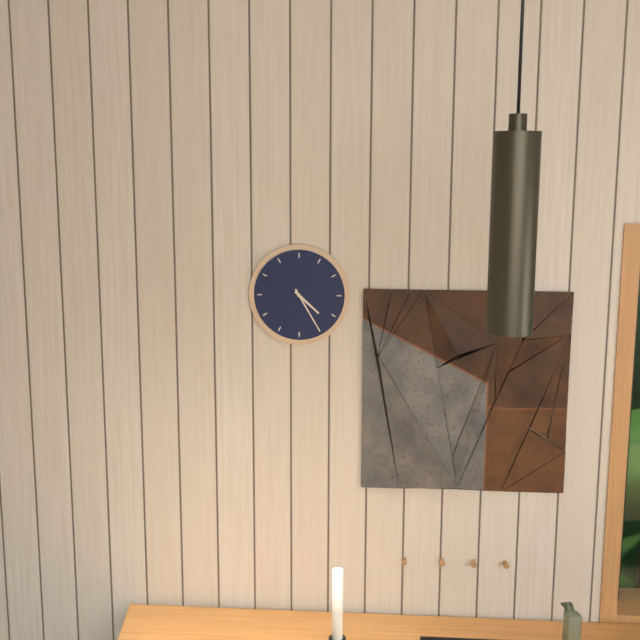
4:25
